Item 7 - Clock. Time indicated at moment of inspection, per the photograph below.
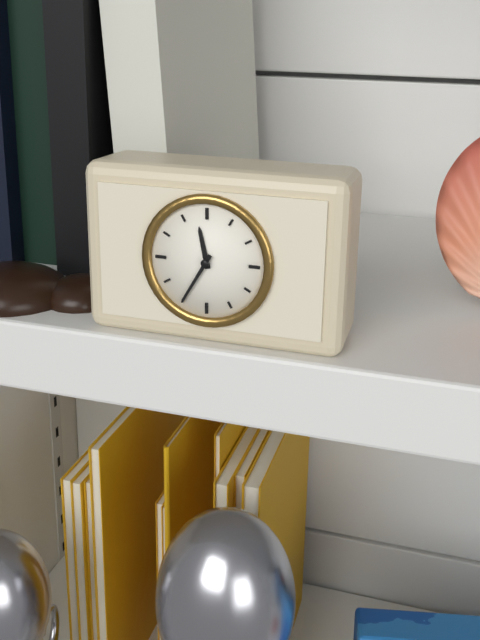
11:35
